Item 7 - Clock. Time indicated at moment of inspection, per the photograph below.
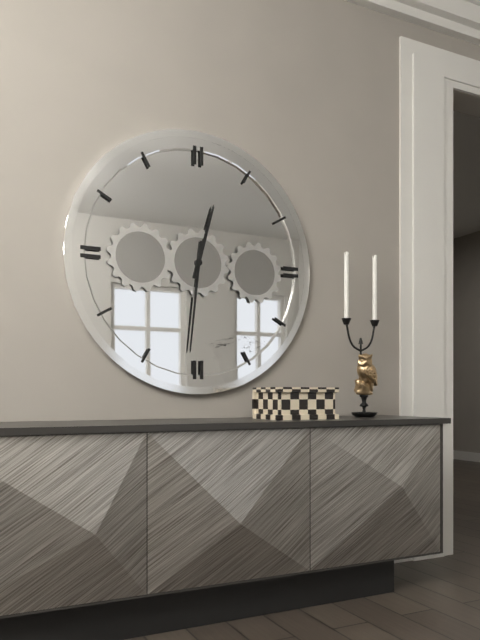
12:31
